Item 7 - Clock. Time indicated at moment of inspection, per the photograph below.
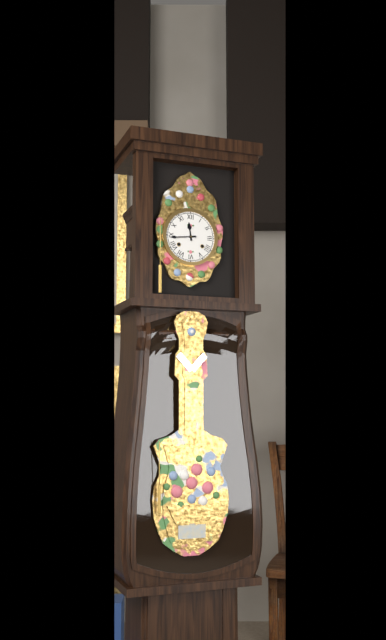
11:44
